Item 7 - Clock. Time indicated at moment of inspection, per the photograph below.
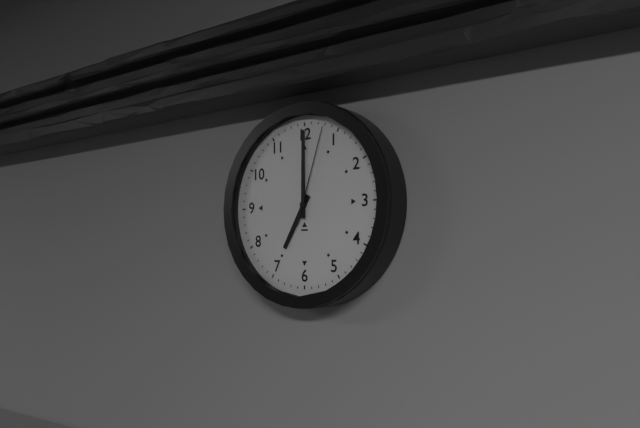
7:00:03
